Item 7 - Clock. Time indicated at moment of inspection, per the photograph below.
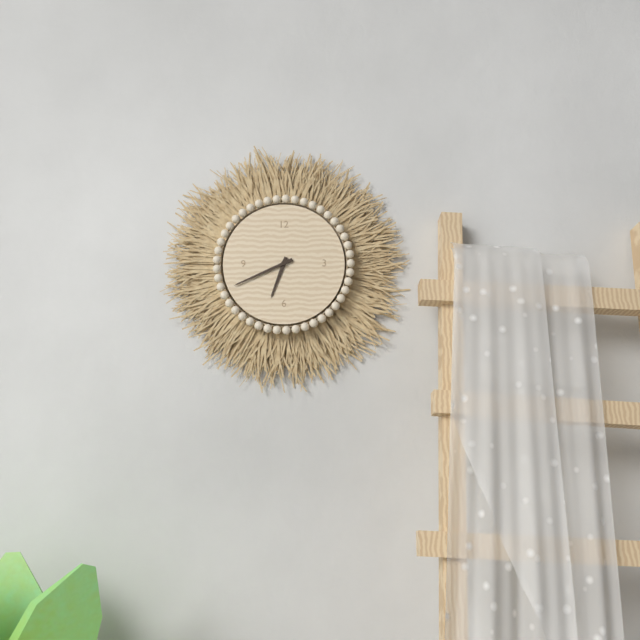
6:41
